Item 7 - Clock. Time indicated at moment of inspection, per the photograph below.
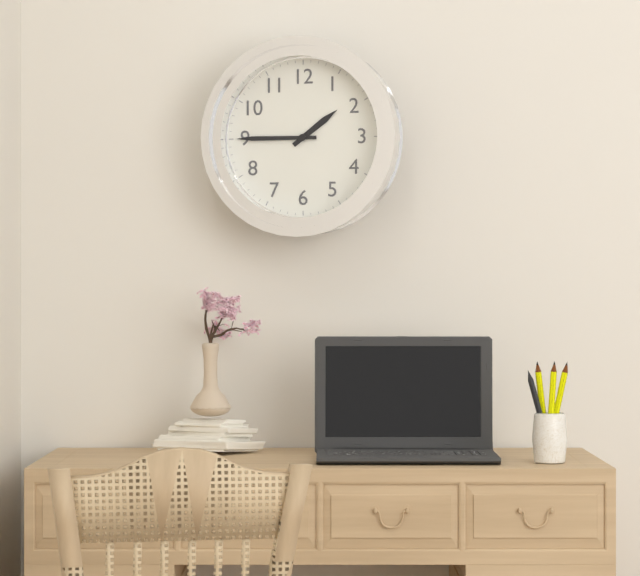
1:45
